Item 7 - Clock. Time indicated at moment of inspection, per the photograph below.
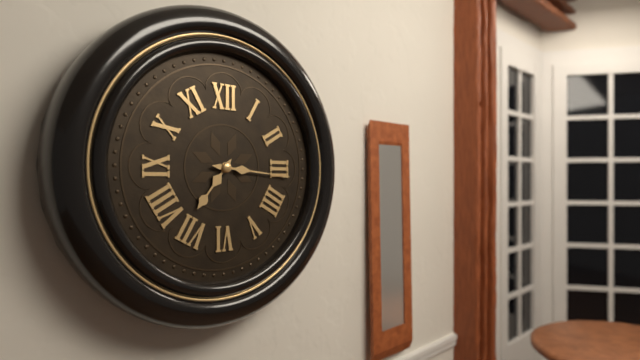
7:16
